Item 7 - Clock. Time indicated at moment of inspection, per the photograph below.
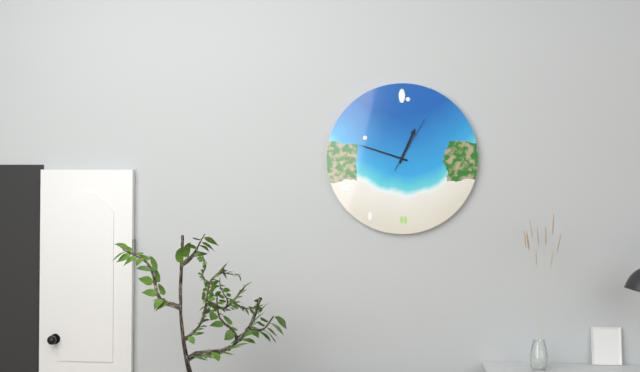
12:48:05
